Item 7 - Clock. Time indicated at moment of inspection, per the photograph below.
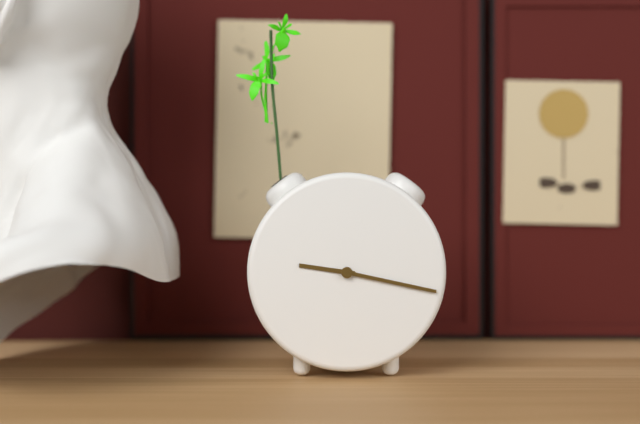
9:17
